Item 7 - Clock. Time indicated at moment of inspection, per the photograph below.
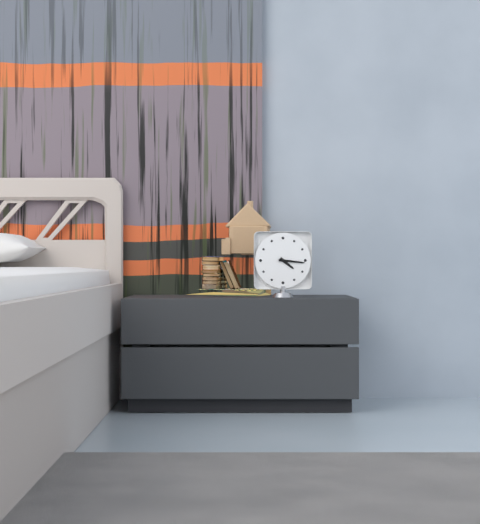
4:16
